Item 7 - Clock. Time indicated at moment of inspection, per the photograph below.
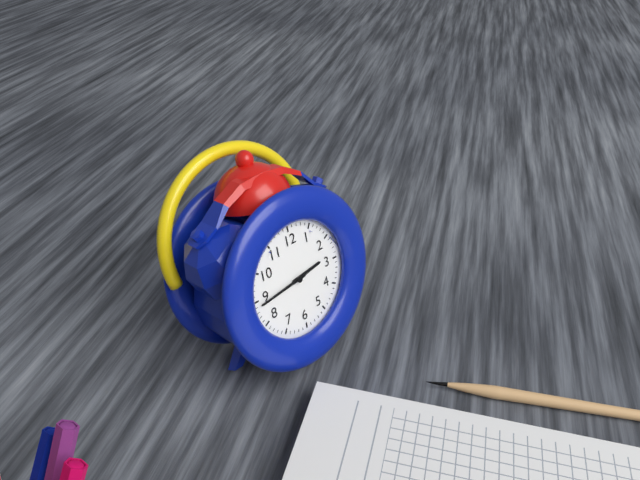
2:44
